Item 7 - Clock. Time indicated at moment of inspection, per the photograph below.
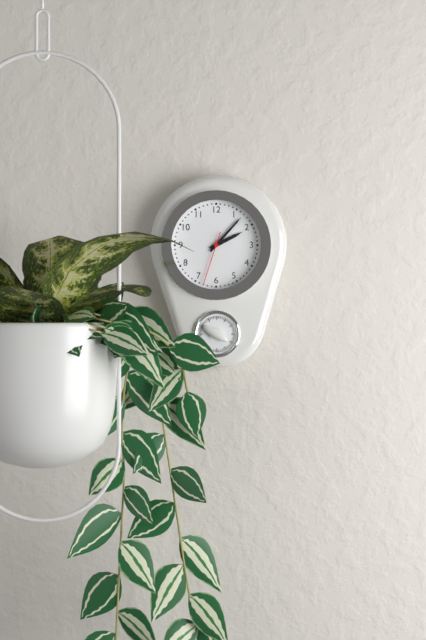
2:07:33
